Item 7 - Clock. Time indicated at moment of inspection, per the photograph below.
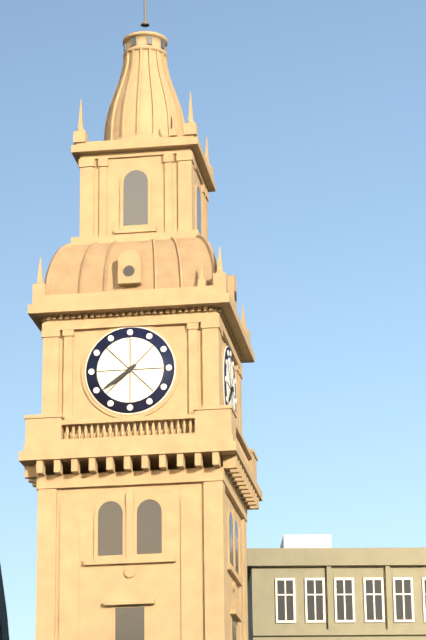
7:39
